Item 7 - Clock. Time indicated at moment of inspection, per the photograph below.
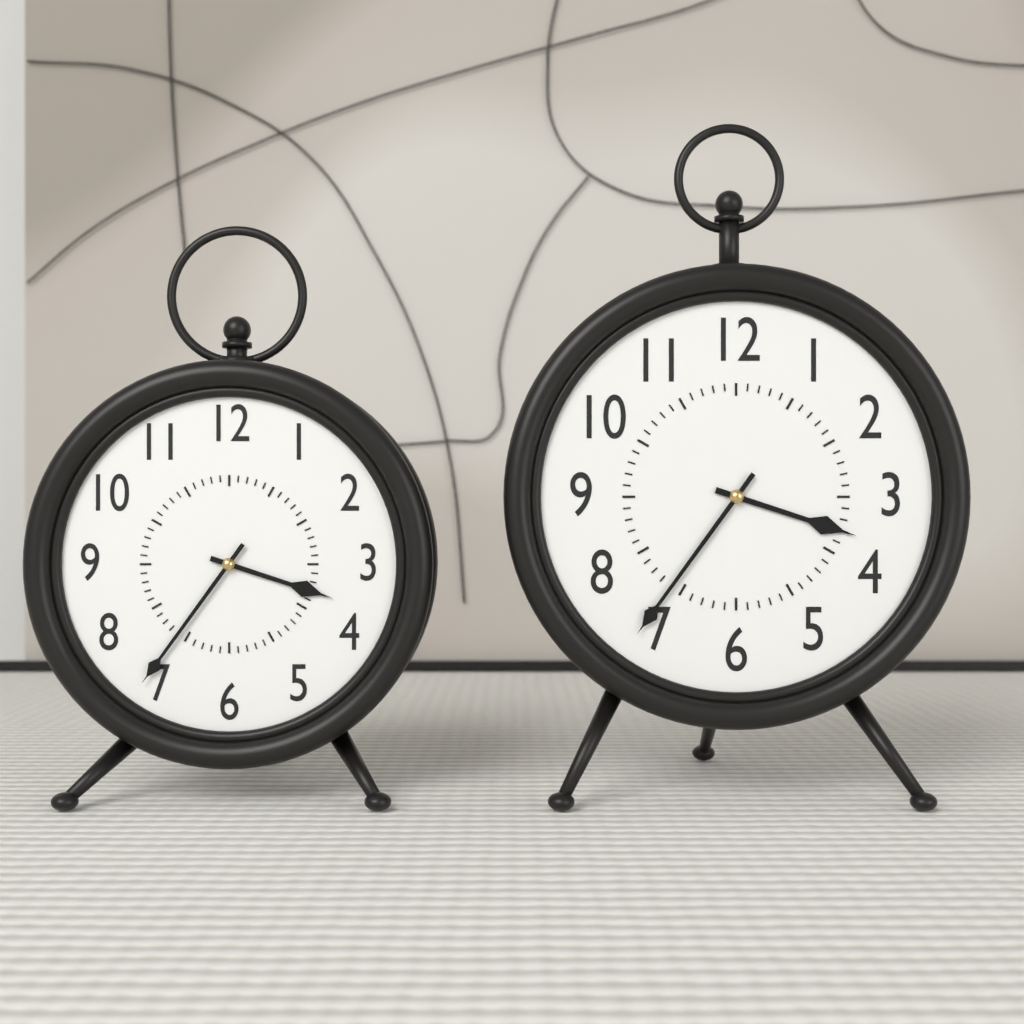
3:36
